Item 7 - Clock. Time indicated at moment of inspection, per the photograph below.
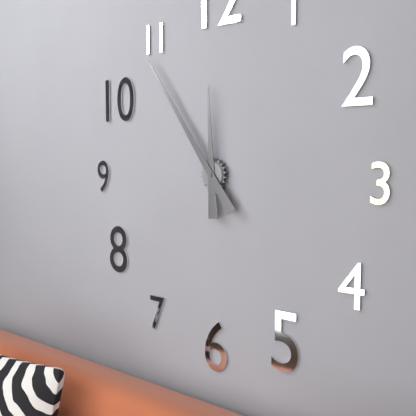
11:54
